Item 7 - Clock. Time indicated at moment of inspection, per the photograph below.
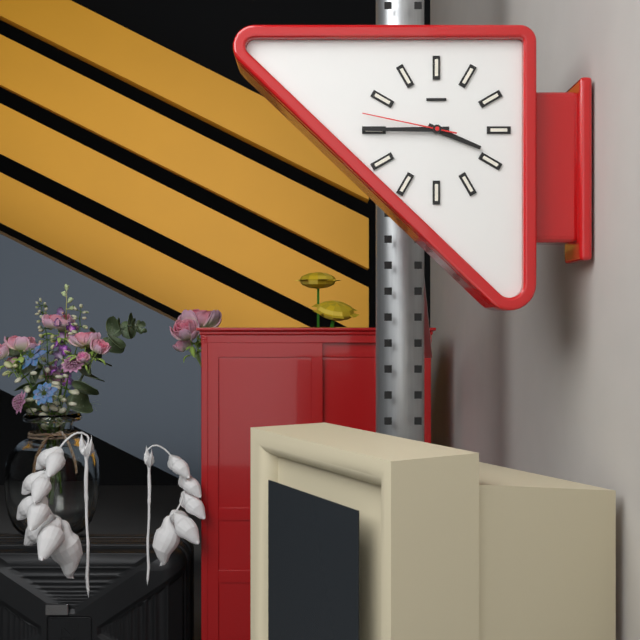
3:45:47
